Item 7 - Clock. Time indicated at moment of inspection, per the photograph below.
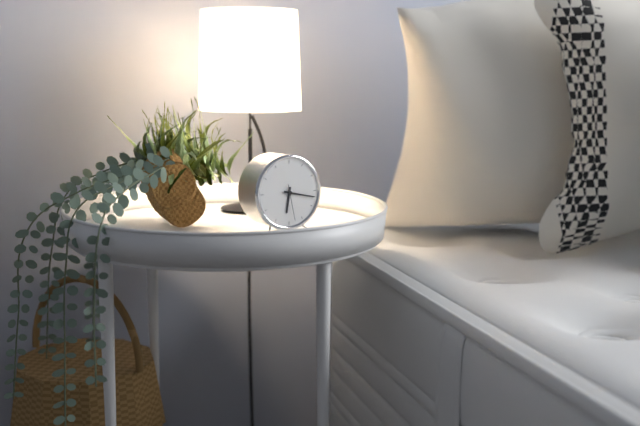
6:17
